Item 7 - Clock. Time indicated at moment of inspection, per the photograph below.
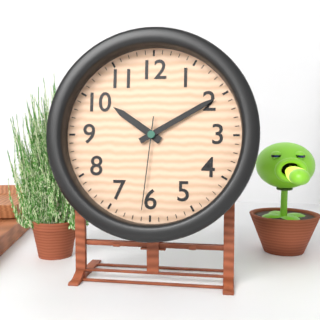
10:10:31
